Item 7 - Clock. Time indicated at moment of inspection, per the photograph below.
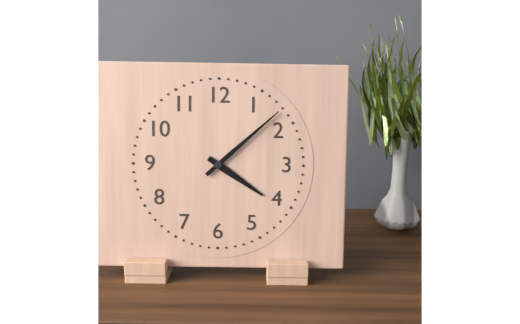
4:08
